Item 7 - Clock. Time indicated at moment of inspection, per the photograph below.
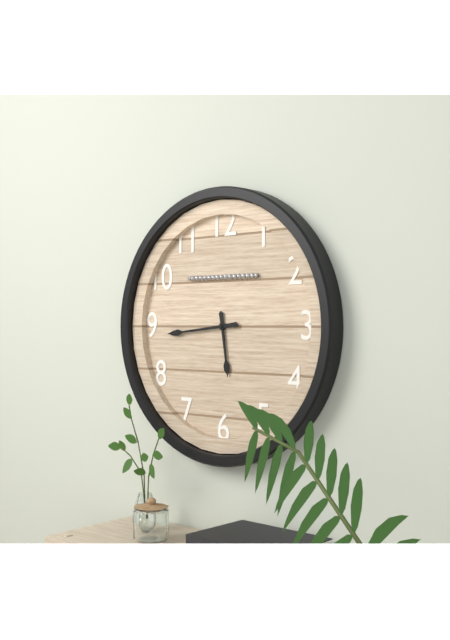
5:44
